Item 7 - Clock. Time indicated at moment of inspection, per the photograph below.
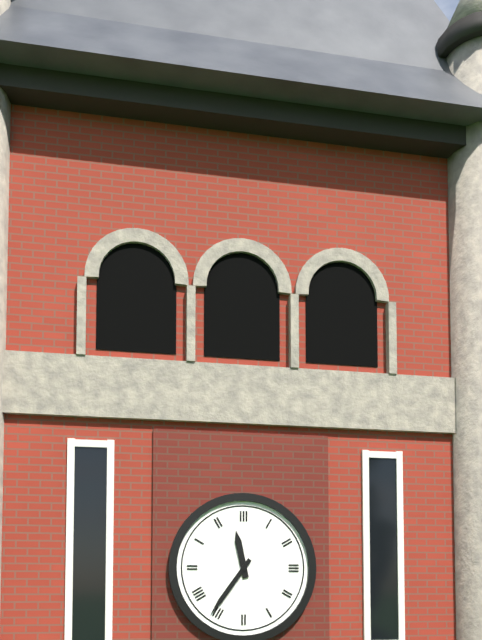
11:36
